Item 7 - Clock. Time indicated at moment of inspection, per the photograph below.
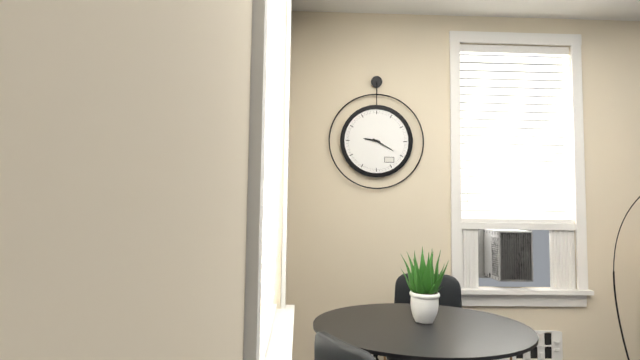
9:20
